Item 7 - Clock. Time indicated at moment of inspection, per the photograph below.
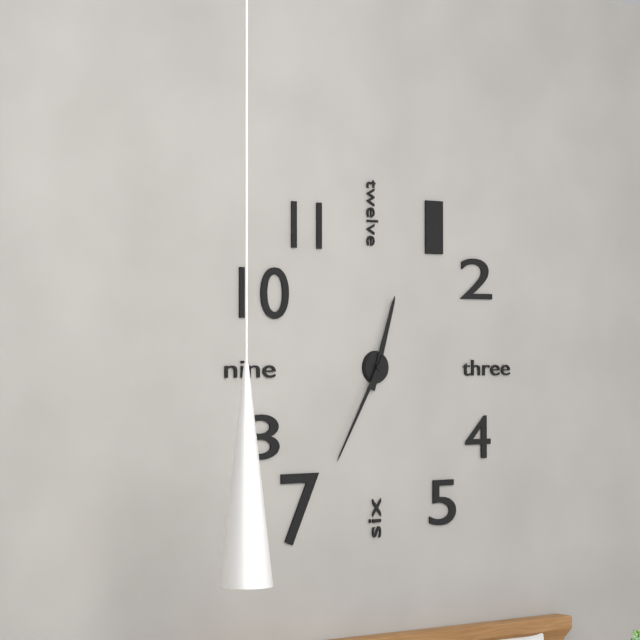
12:35
